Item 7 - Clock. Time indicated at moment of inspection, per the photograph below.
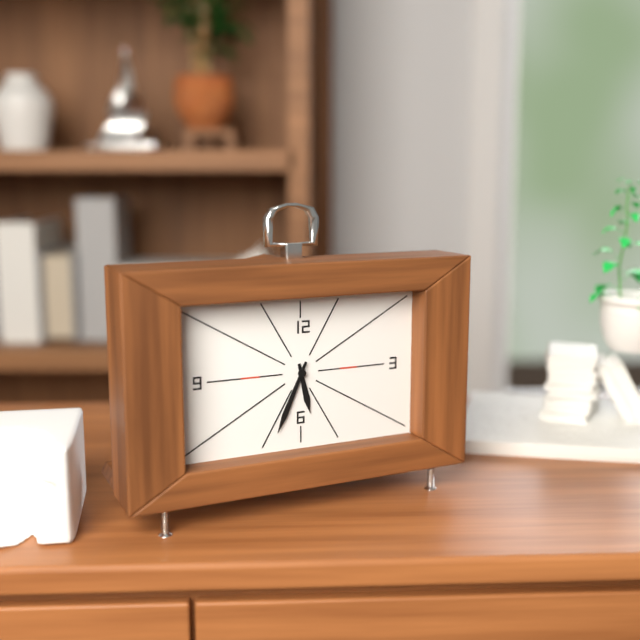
5:34
